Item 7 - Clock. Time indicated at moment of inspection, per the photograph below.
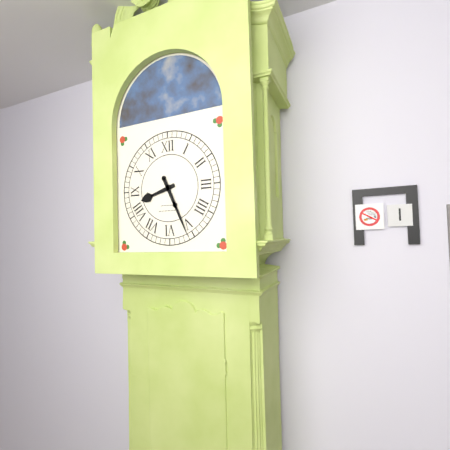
8:26
